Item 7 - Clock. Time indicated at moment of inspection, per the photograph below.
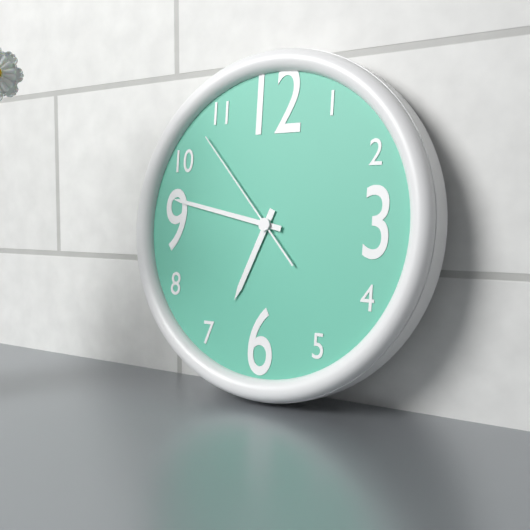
6:47:53
